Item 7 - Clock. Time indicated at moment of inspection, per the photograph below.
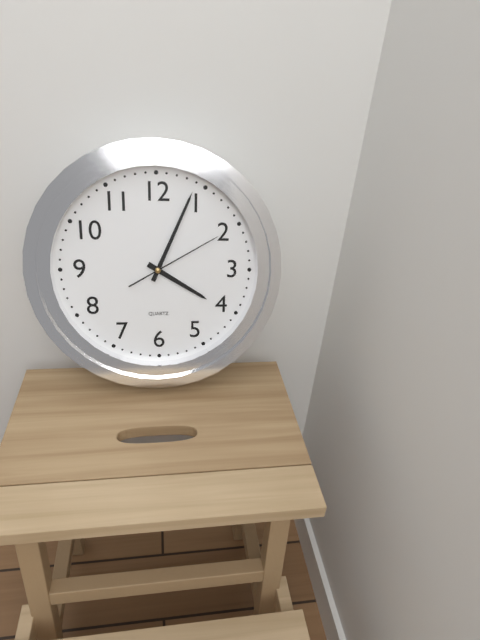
4:04:10
